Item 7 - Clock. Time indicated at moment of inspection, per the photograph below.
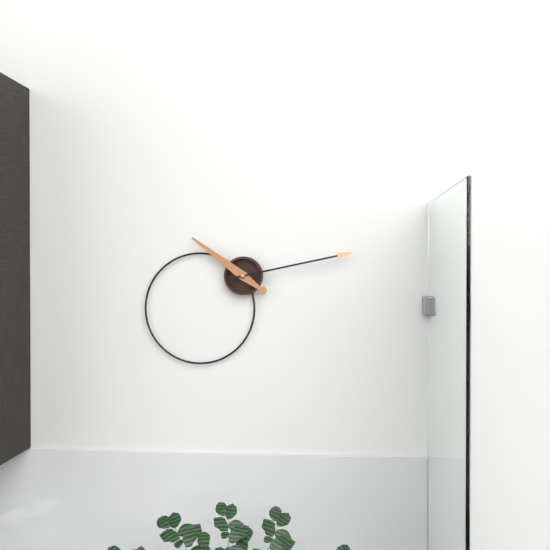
10:13
